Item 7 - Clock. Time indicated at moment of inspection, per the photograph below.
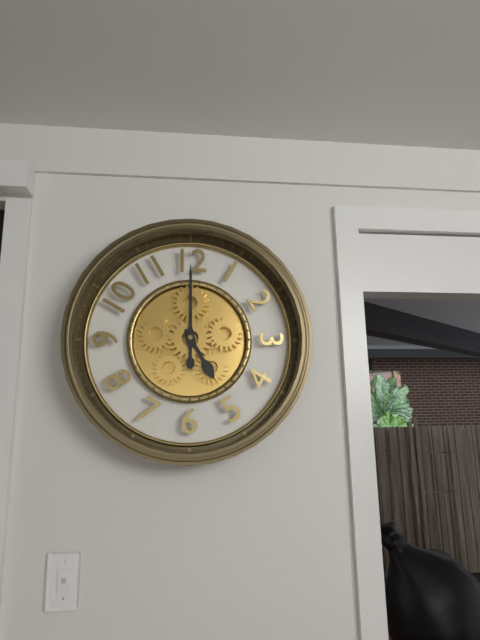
5:00
